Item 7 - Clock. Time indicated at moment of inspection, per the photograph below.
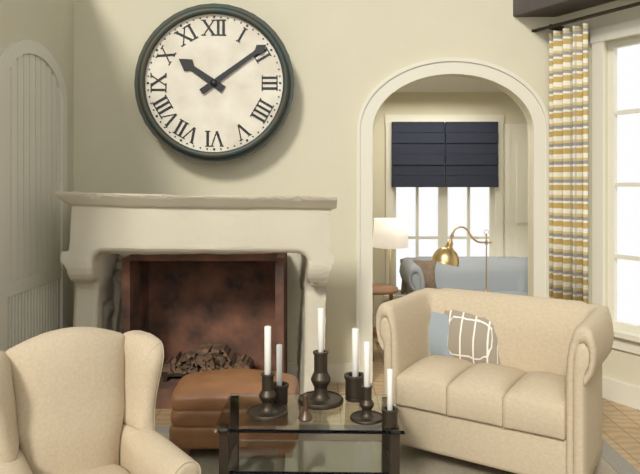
10:09
